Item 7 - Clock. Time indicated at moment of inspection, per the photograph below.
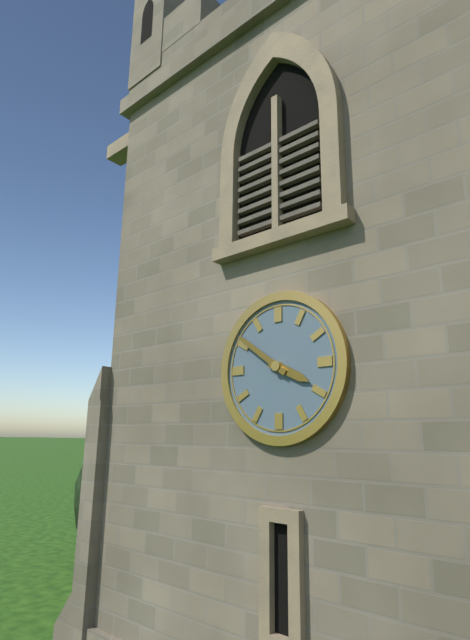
3:51
